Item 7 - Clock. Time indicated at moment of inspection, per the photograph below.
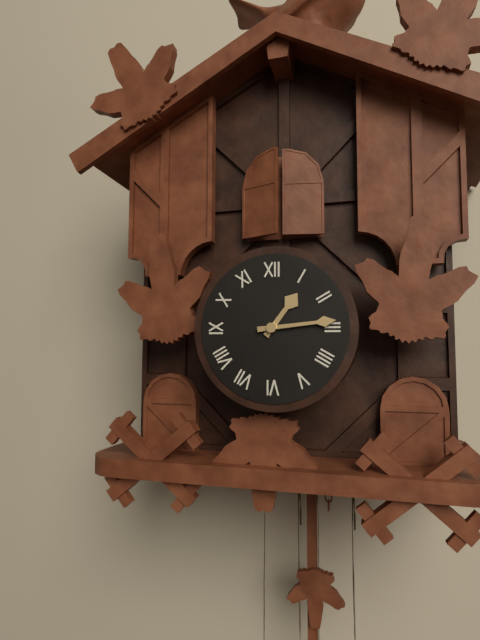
1:14
